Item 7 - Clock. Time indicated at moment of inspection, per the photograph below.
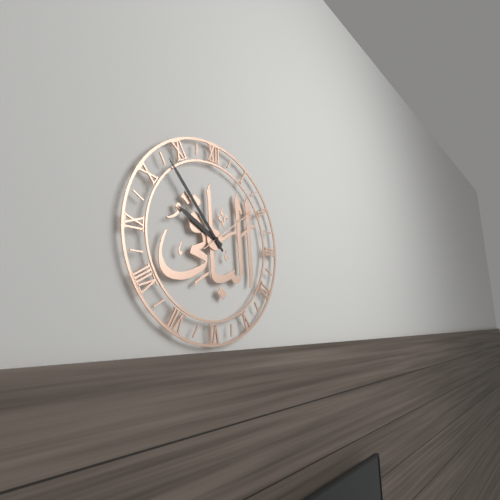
9:53:09
